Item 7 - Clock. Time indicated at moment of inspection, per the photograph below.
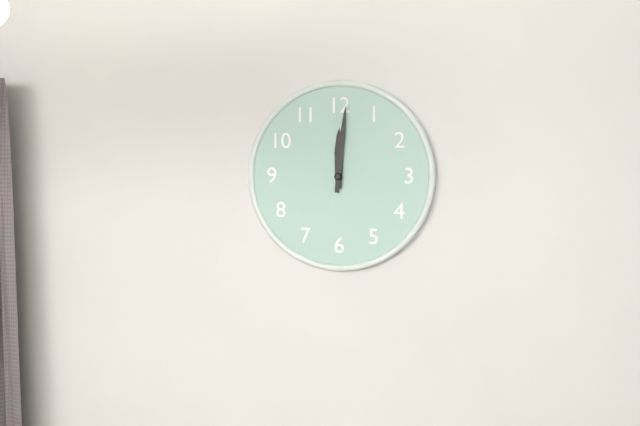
12:01
